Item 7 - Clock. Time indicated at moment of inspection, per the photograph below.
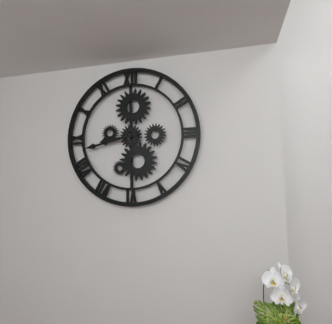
8:43
